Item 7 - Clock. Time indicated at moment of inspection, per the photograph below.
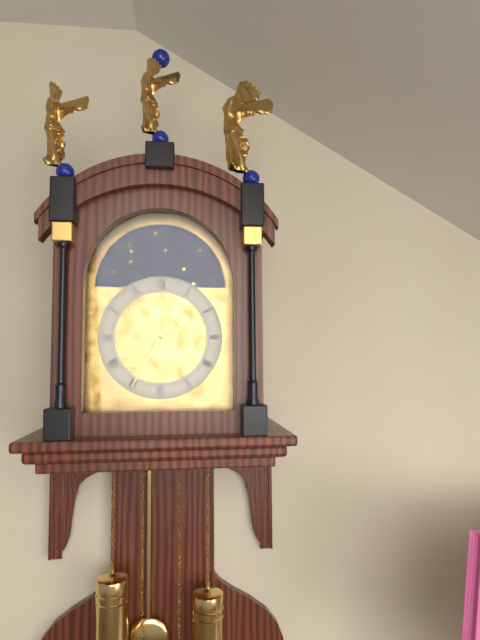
11:35
